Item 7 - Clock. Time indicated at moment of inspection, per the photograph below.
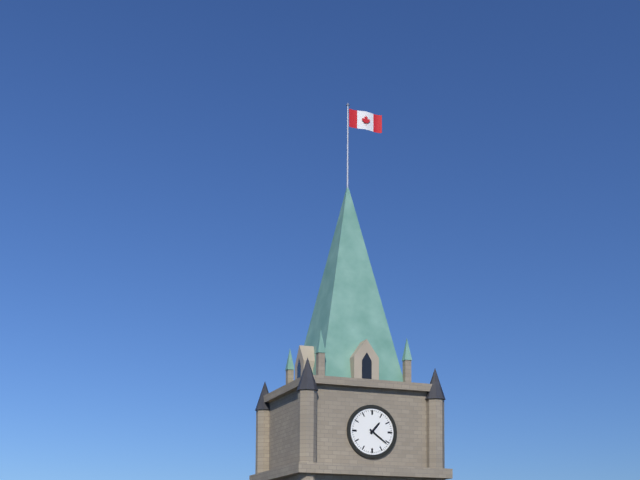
1:21
